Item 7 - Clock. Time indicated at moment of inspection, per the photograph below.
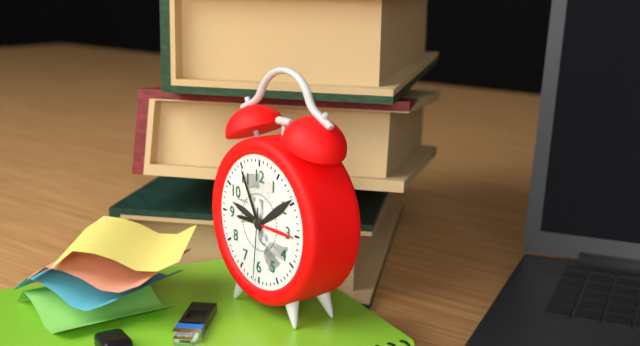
8:55:31
